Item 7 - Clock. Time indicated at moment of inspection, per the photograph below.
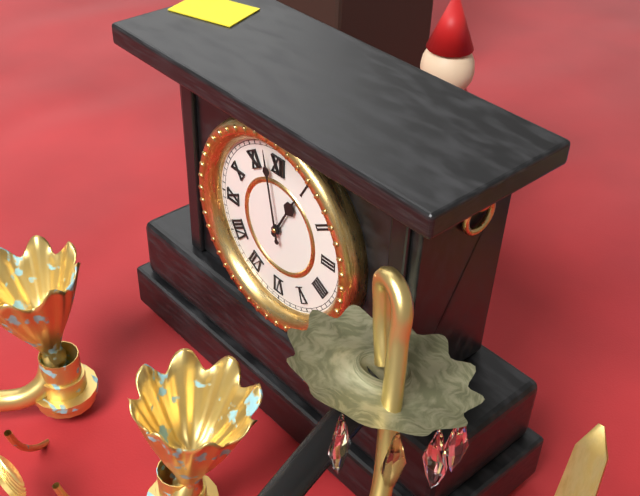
12:58
